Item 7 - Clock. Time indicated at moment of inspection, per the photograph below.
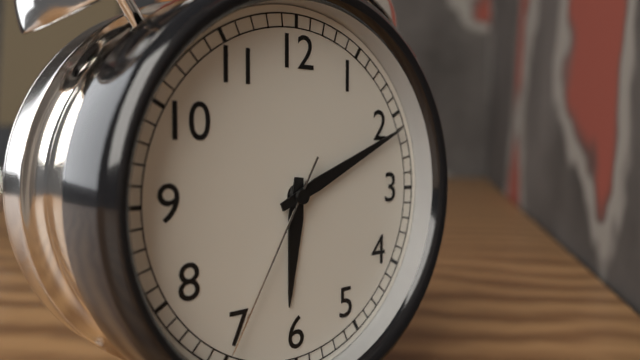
6:11:35
